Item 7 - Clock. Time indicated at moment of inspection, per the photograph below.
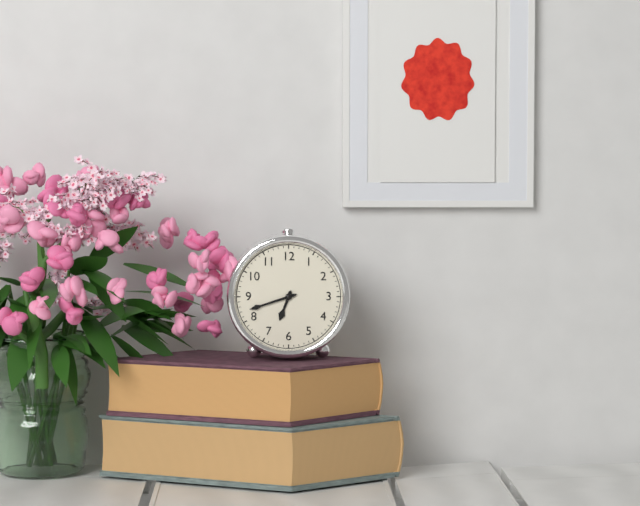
6:42
